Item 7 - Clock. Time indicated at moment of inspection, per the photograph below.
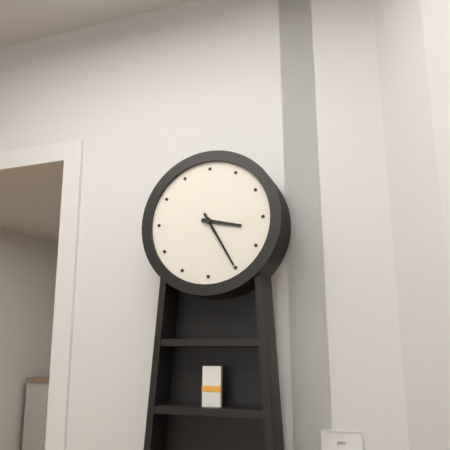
3:25
